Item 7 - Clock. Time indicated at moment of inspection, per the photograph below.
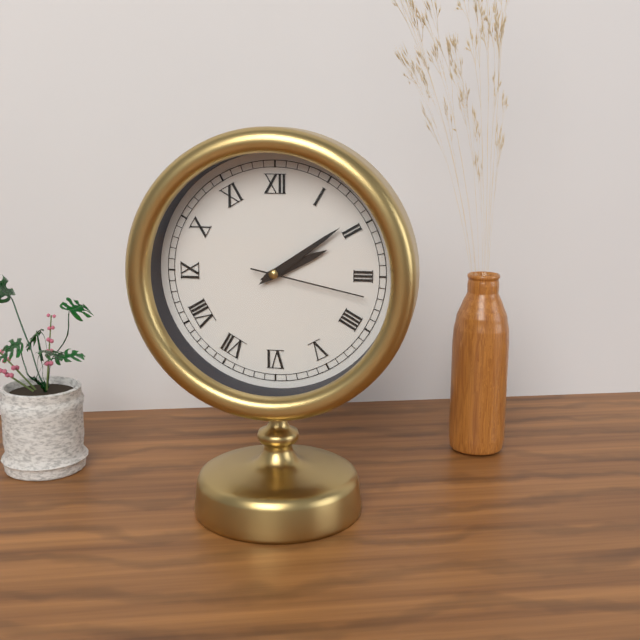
2:09:17
